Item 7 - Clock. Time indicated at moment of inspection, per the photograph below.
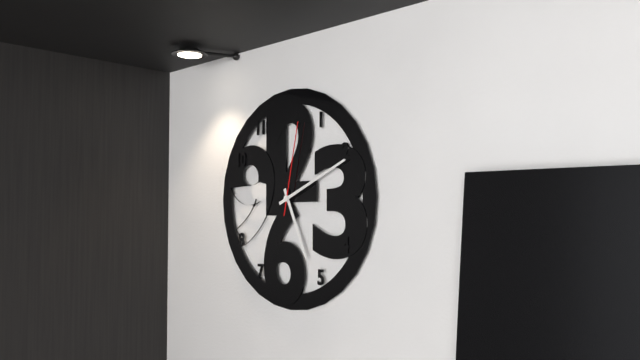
5:11:02
